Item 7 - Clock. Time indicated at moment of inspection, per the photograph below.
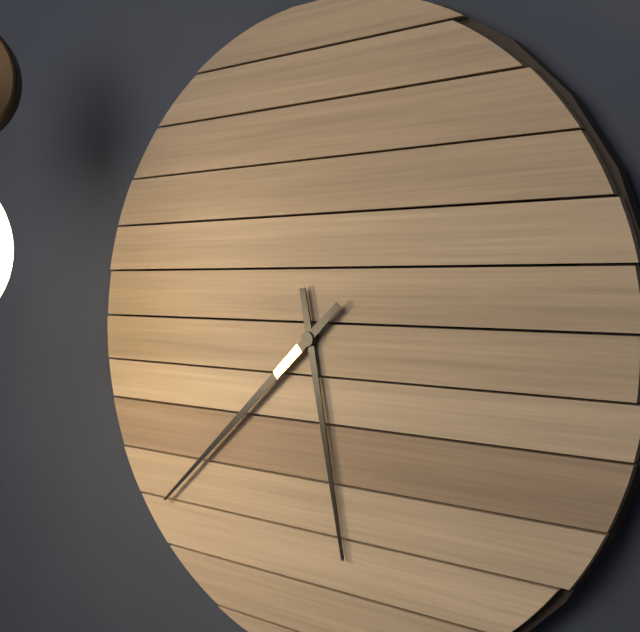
5:38
